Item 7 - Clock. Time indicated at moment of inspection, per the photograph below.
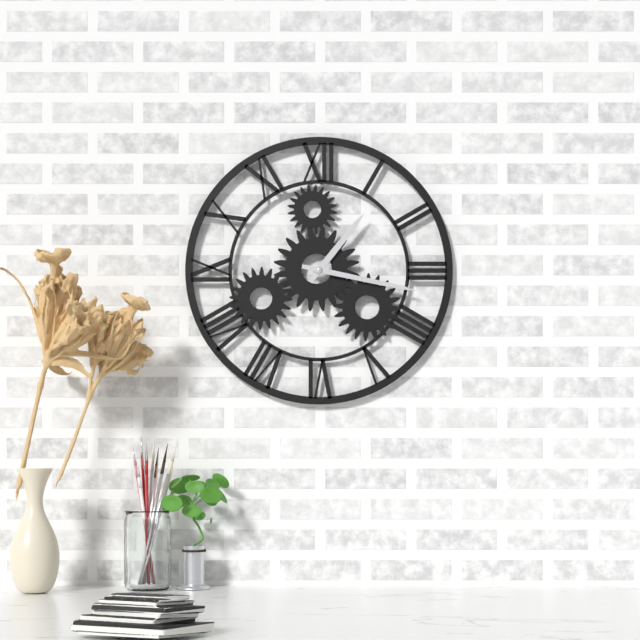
1:17
